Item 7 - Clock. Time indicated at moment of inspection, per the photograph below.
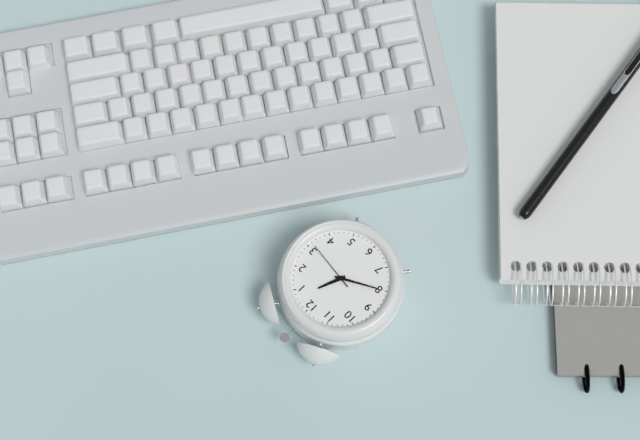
12:40:16
